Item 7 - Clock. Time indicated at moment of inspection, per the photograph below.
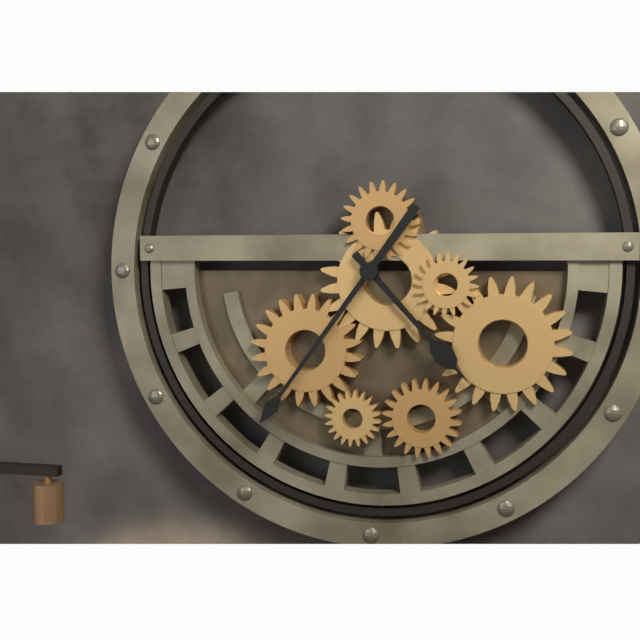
4:36
